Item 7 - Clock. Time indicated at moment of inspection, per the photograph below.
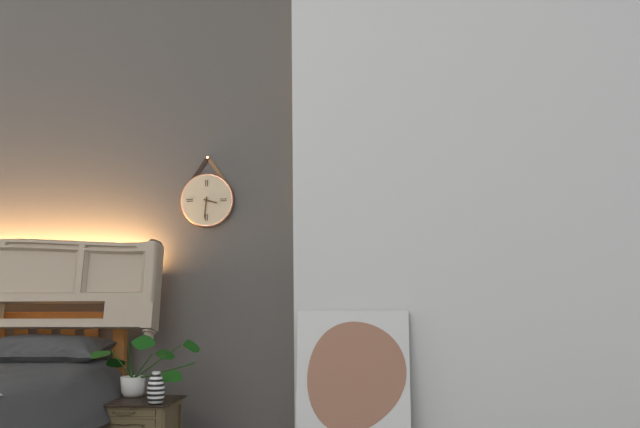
3:31
